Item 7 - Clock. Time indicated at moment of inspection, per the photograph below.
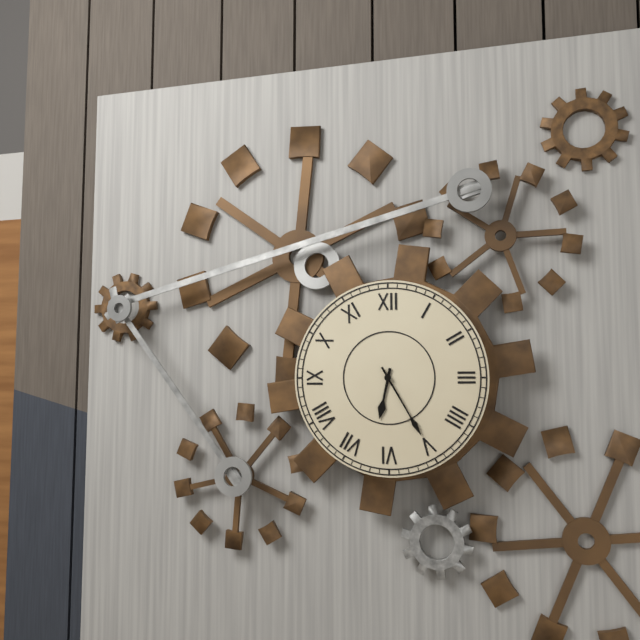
6:25
